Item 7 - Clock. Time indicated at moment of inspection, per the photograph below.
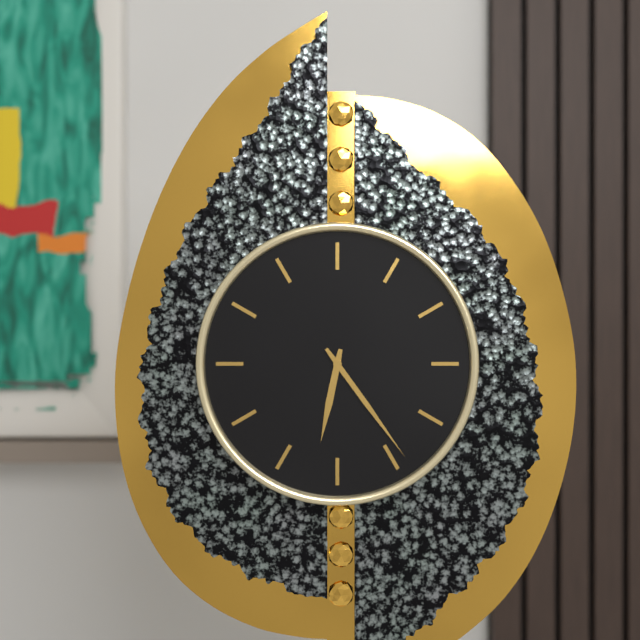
6:24
